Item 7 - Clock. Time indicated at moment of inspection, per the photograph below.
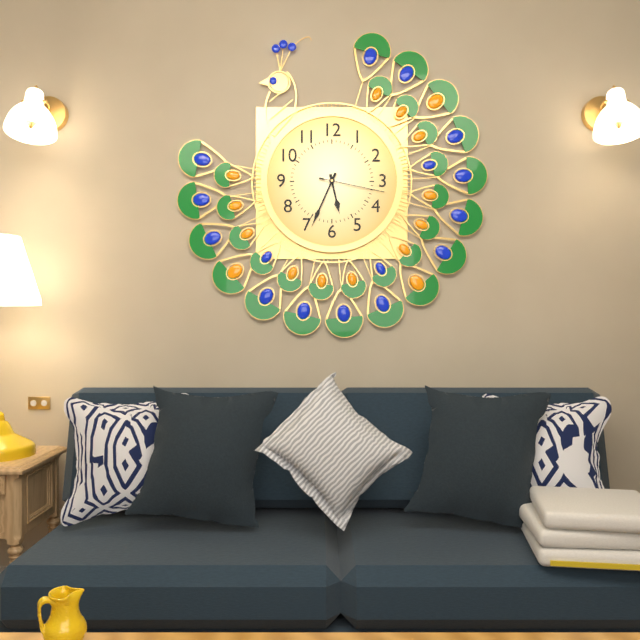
5:34:17
